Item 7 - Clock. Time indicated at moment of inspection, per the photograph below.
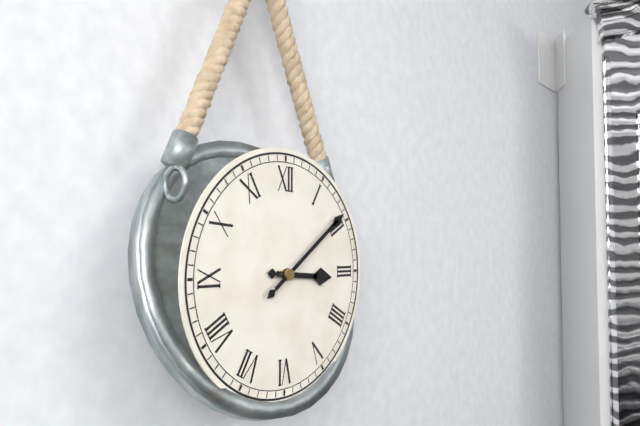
3:09
